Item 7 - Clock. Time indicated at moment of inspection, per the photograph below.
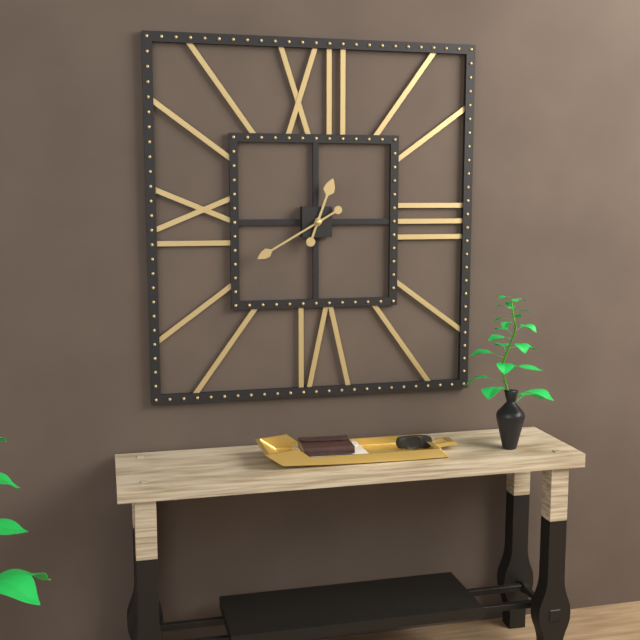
12:40
